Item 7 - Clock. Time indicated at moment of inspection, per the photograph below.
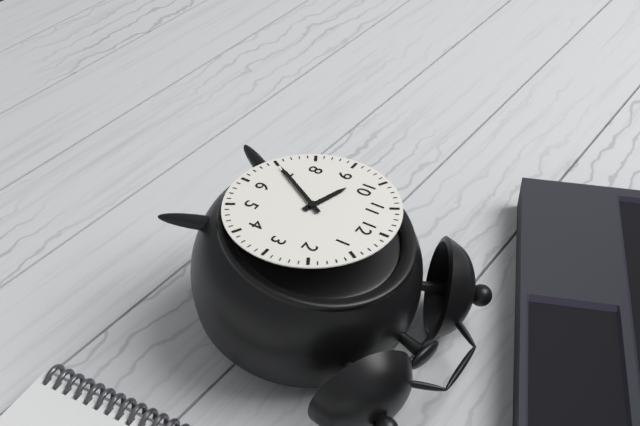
9:35
